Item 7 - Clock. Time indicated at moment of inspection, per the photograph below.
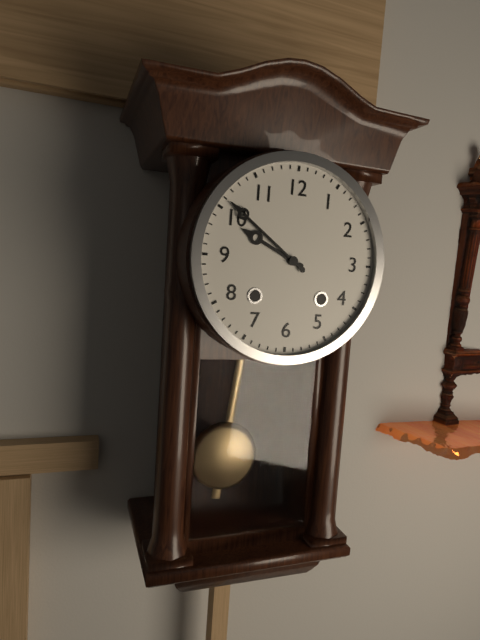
9:51
